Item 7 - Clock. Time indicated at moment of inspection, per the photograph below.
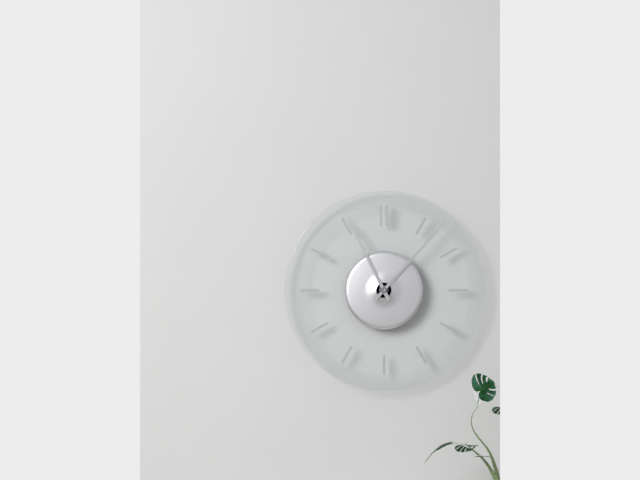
11:07
